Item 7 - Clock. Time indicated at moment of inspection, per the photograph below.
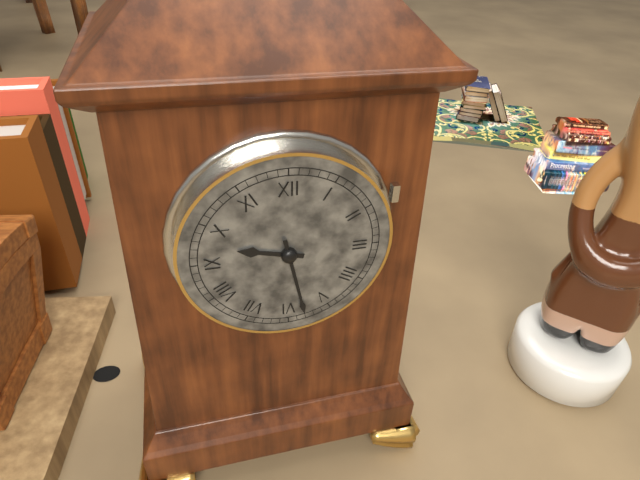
9:28
